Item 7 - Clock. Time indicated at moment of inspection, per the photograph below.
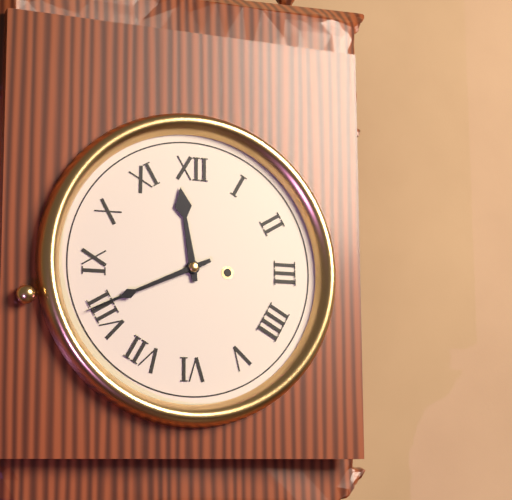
11:41
